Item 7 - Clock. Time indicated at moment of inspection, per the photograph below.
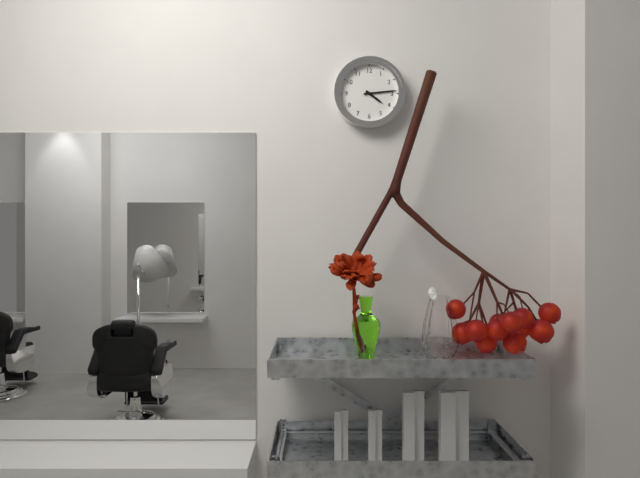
4:14
